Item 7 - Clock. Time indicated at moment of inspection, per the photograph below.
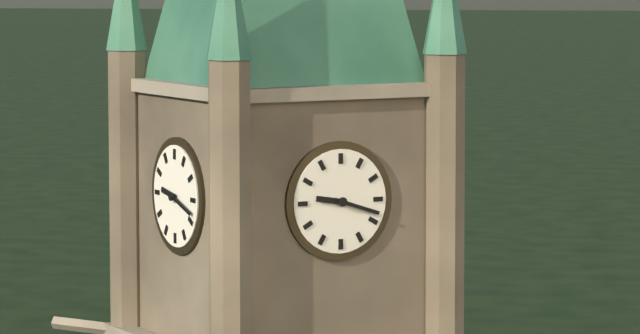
9:18
